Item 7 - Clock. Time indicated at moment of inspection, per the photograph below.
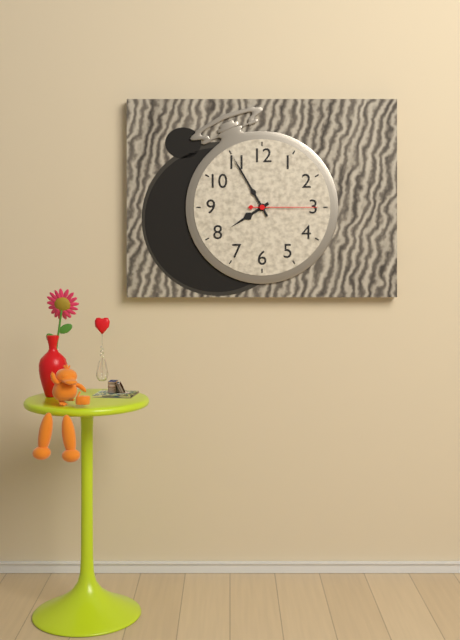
7:55:15
